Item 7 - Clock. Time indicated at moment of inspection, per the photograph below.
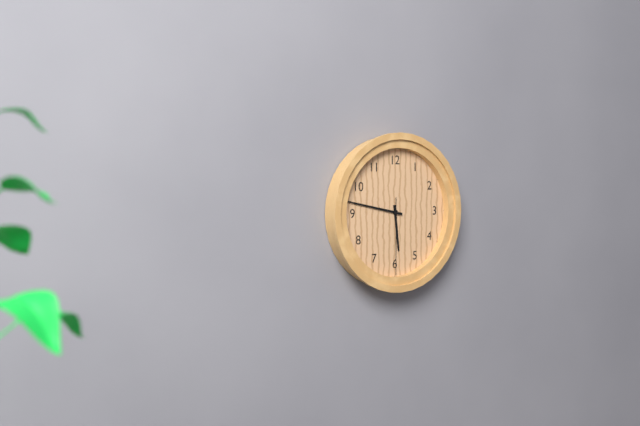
5:47:30
